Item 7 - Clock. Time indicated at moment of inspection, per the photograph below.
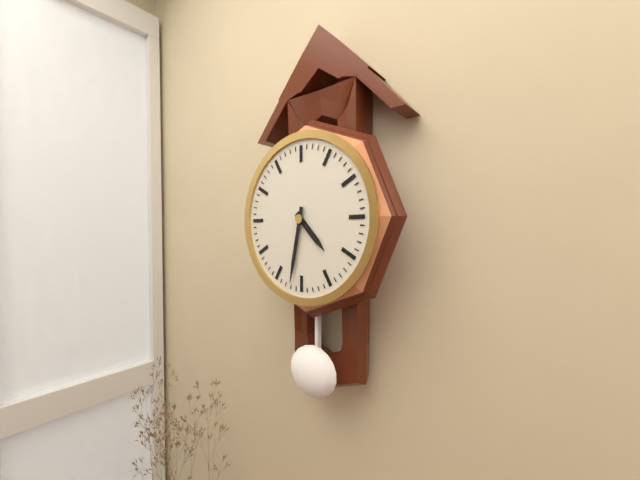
4:32
